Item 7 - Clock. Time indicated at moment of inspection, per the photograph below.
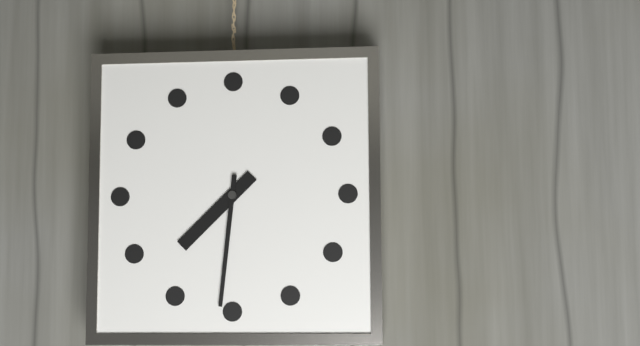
7:31
